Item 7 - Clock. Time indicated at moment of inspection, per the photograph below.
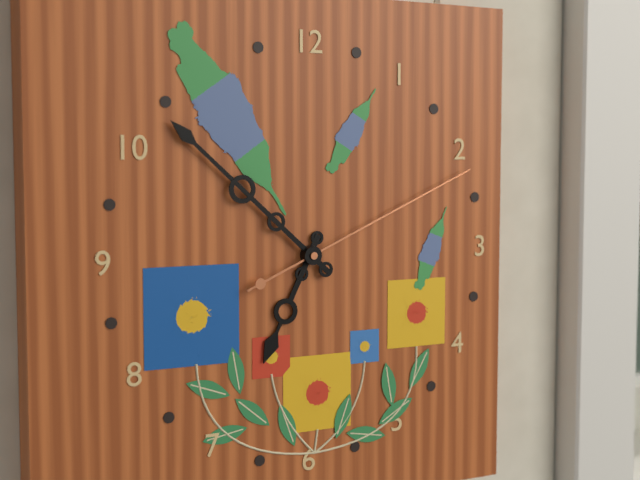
6:52:11
